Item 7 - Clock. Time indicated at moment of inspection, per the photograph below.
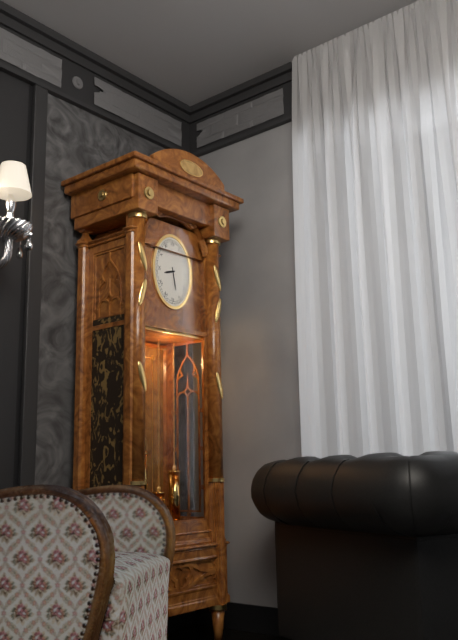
8:28
